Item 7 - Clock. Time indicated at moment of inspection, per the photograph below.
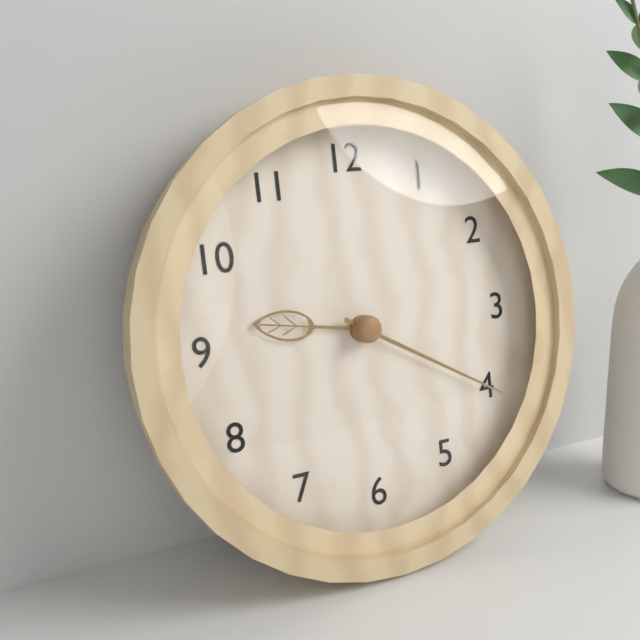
9:20
